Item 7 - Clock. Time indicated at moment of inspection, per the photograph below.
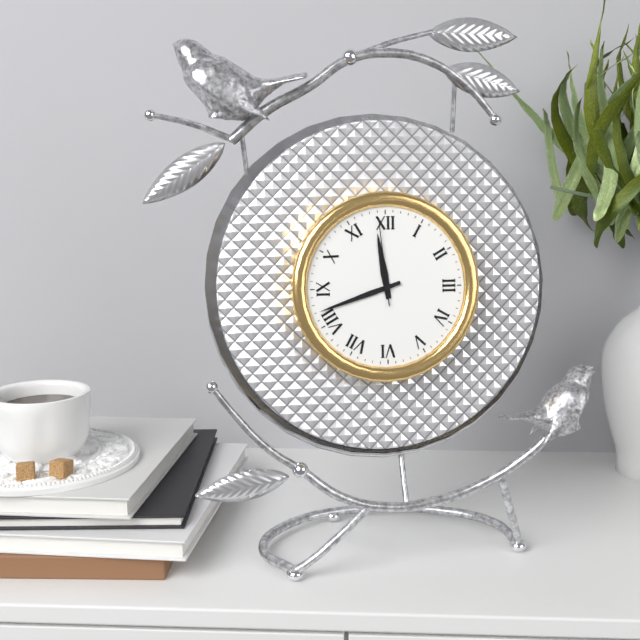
11:42:59
